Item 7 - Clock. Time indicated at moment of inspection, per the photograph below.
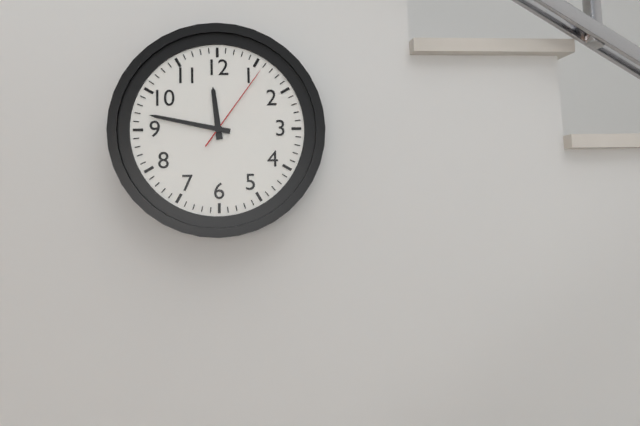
11:47:06
